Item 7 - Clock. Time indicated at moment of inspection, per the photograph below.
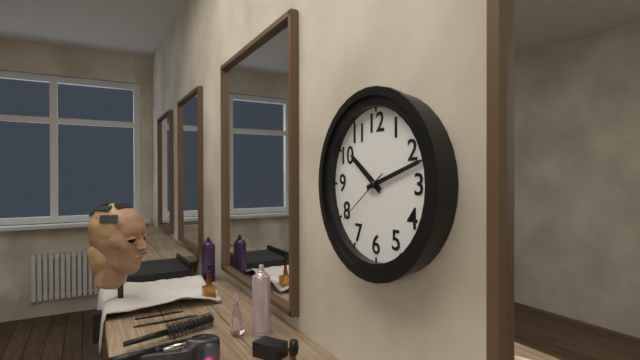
10:12:39
